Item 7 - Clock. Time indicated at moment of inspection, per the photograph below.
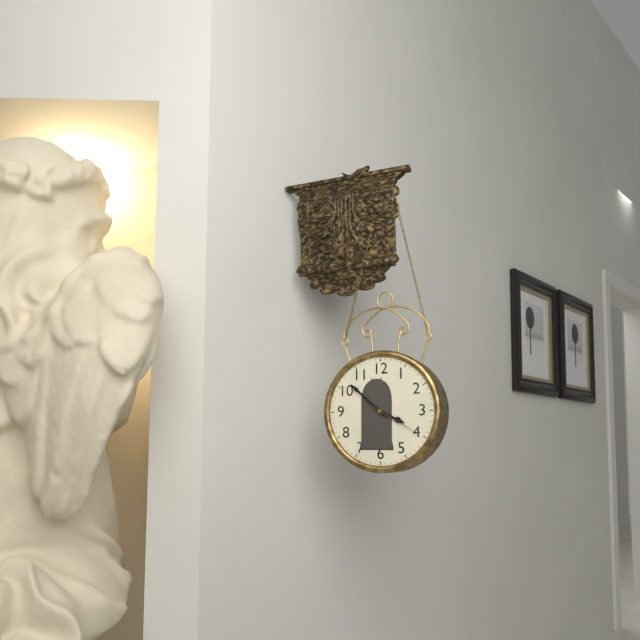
3:52:20
